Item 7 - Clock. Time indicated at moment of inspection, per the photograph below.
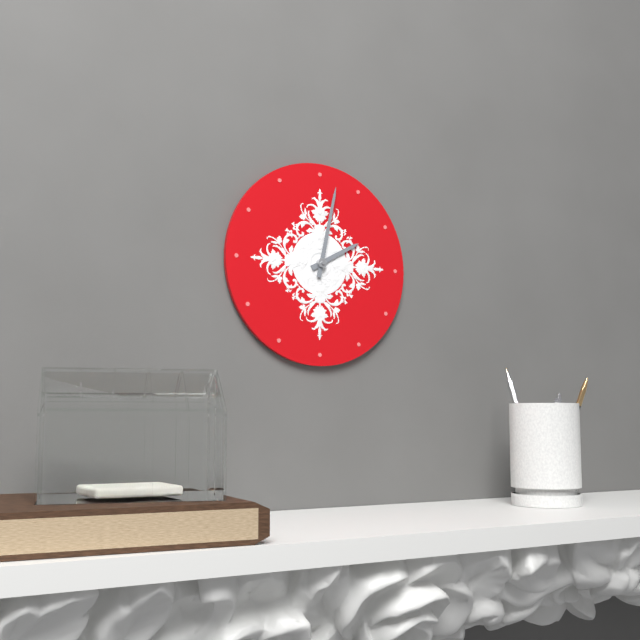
2:02
